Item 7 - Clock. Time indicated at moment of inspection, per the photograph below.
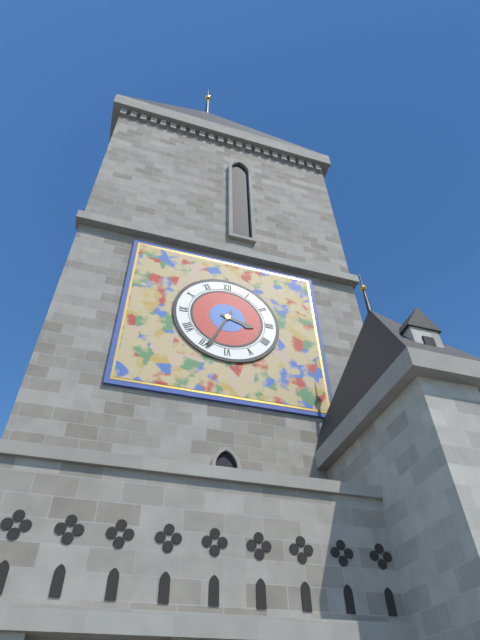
3:34
